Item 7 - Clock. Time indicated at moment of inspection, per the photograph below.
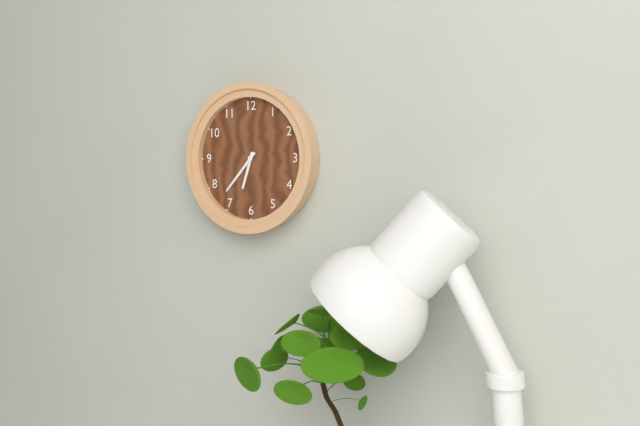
6:37
